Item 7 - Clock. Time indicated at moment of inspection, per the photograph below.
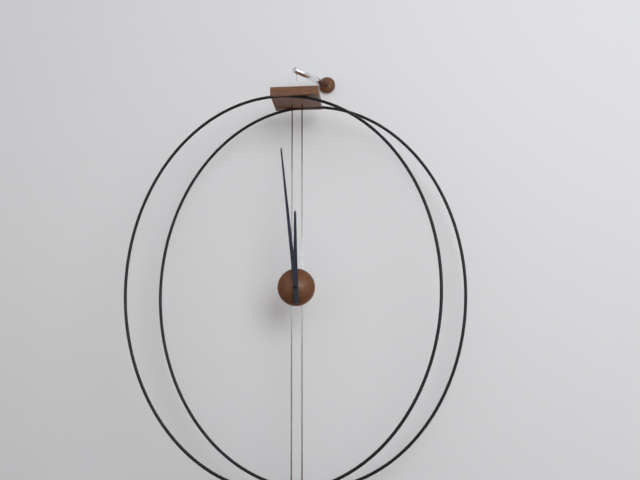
11:59
